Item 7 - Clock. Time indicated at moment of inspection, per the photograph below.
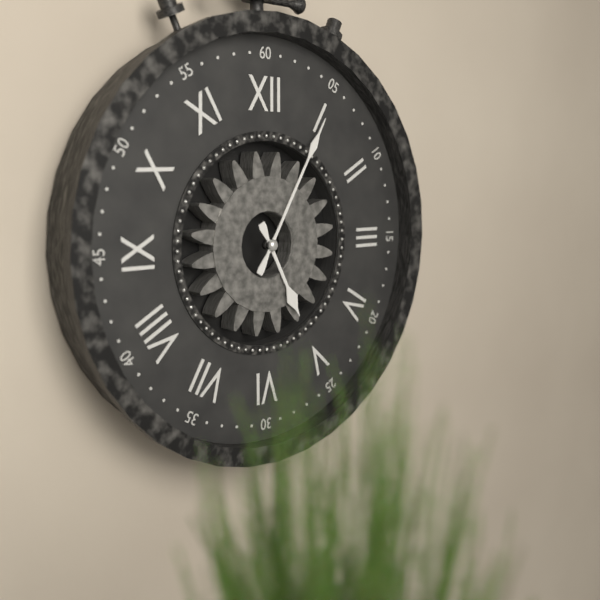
5:05
